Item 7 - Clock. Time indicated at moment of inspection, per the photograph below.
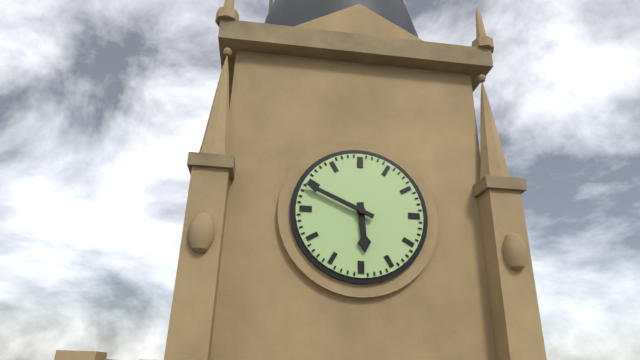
5:49
